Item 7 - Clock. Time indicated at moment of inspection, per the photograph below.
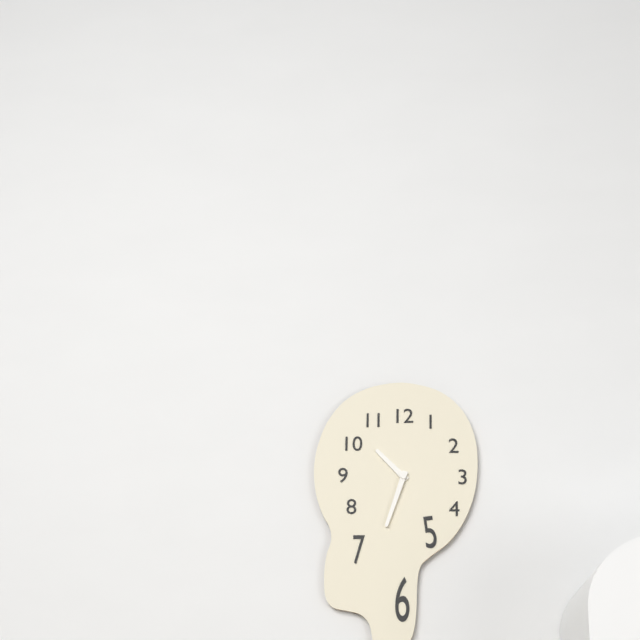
10:33
